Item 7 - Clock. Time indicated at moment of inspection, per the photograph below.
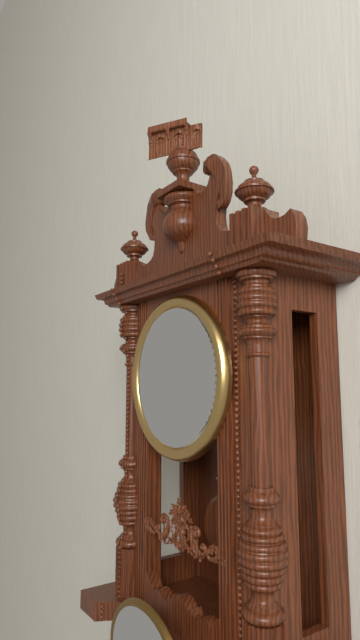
4:21
